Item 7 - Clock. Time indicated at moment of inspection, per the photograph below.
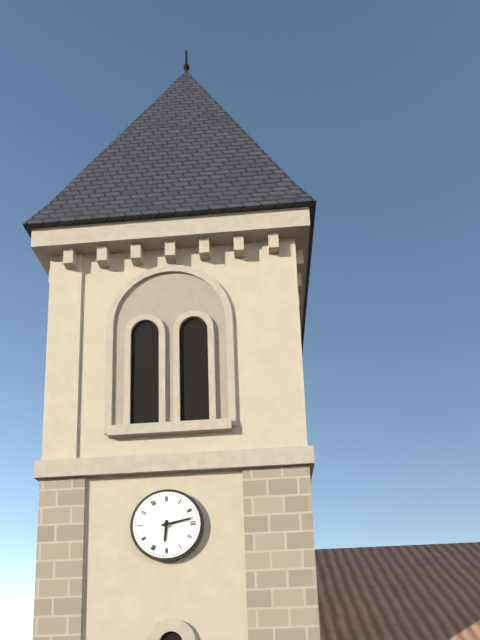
6:13
